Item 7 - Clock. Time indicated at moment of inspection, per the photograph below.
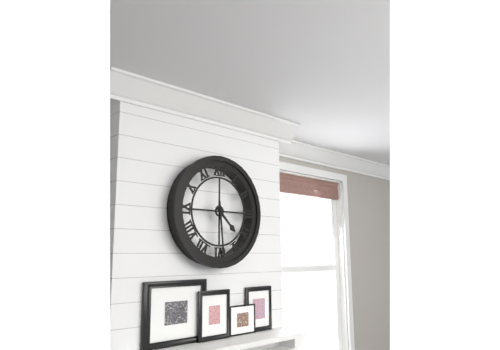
4:29
